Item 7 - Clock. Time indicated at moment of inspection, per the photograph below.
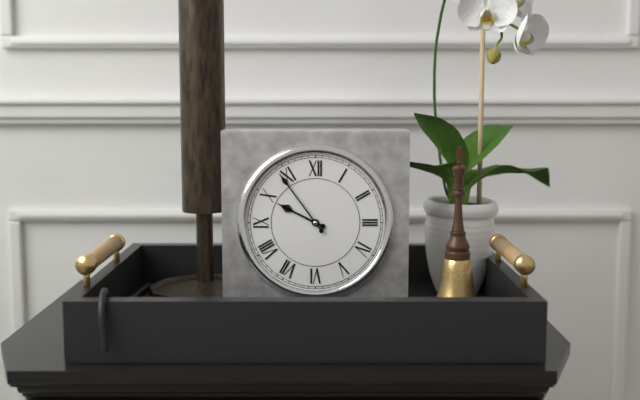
9:54
